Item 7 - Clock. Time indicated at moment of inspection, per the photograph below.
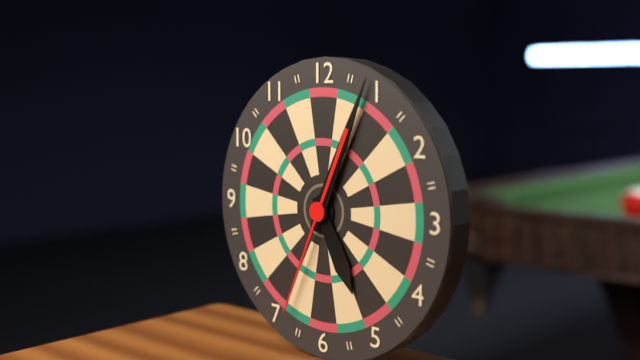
5:04:34
